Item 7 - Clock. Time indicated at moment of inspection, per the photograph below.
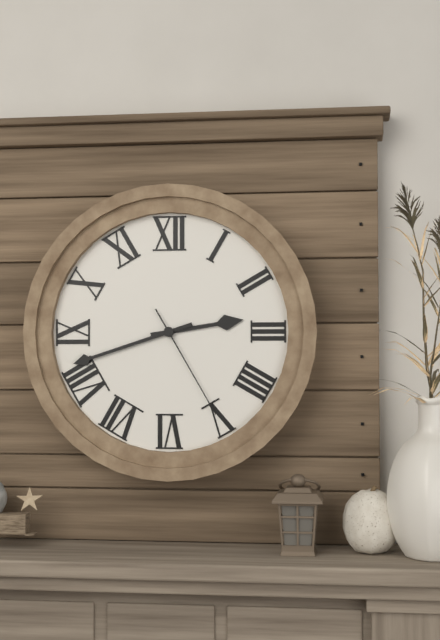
2:42:25
